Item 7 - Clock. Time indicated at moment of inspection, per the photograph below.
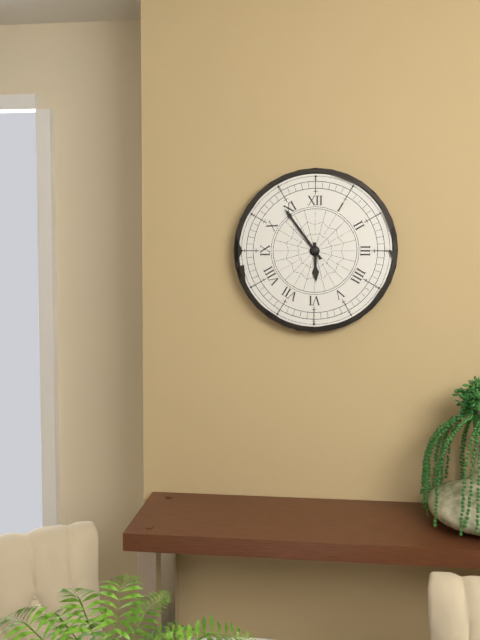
5:54
